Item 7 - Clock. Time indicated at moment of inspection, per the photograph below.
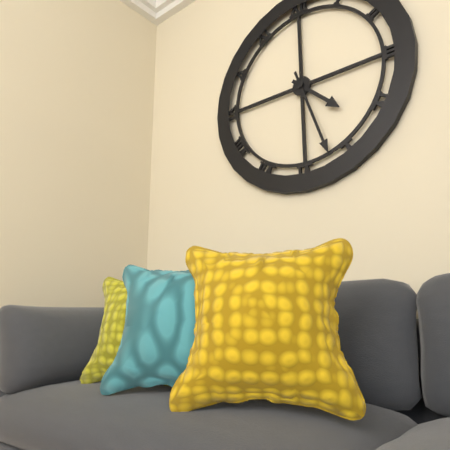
4:27
